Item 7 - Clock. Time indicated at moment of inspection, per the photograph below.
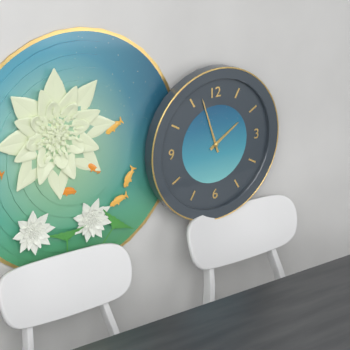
1:57
